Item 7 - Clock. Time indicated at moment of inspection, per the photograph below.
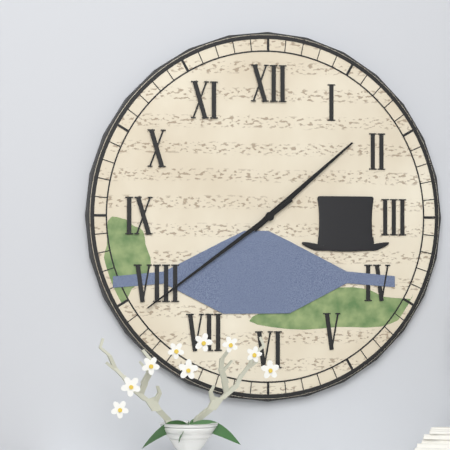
1:39
